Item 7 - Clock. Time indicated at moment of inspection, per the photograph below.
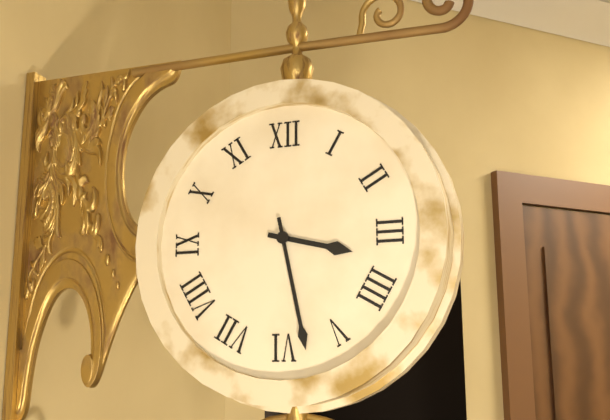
3:28
